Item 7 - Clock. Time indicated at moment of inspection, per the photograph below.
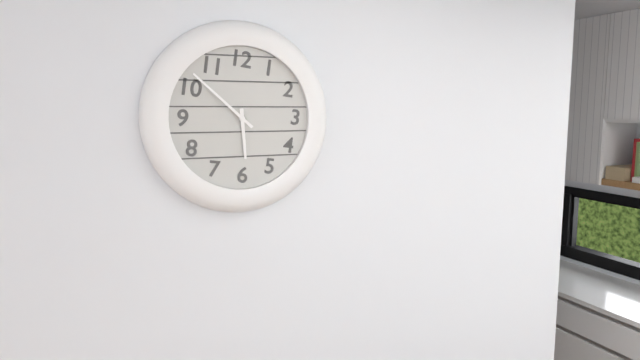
5:52
